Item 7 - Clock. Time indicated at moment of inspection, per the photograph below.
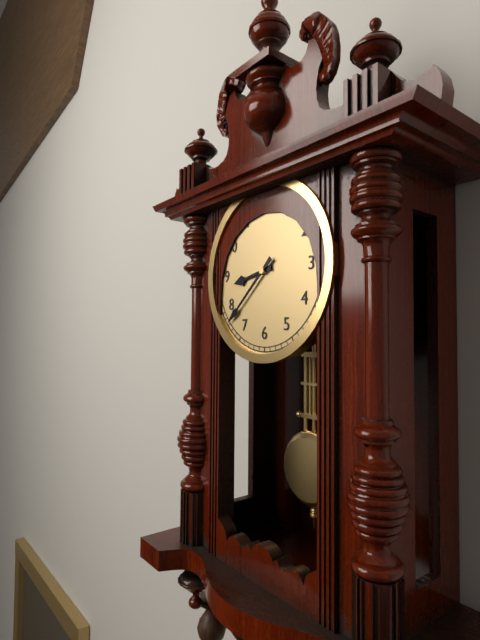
8:38
